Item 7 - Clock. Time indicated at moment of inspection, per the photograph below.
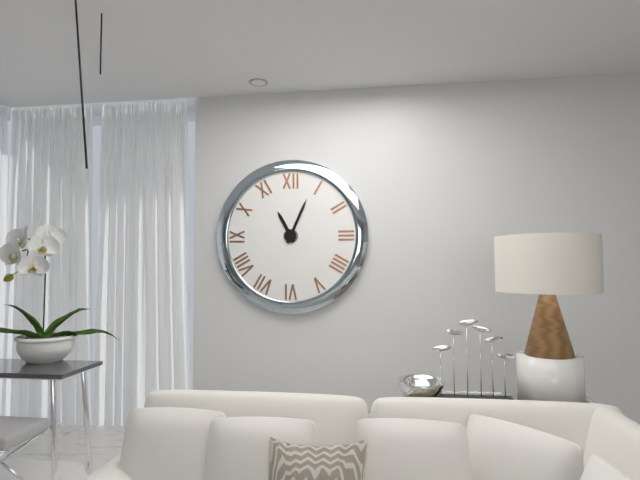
11:04
